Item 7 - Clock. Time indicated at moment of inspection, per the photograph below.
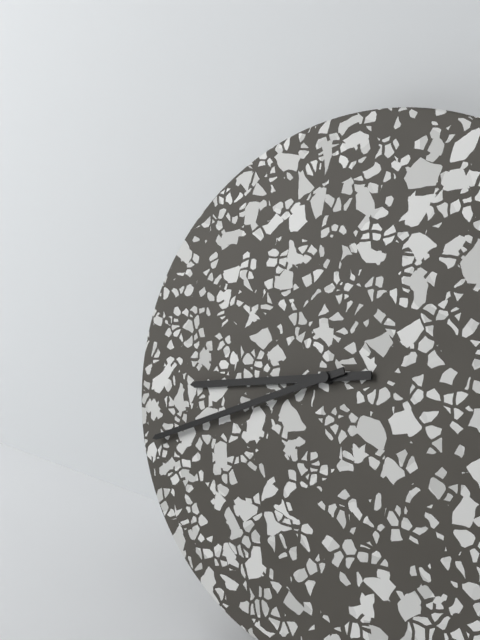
8:41
